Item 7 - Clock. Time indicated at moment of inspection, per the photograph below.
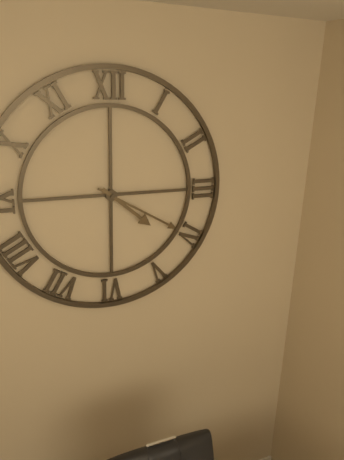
4:20
